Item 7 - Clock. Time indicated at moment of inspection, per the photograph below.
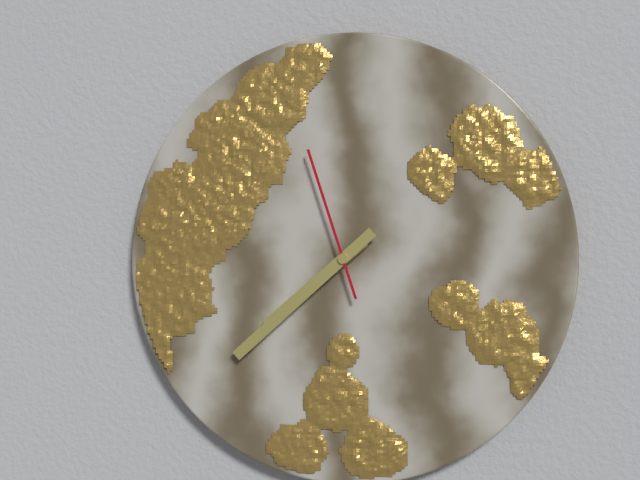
7:38:57
